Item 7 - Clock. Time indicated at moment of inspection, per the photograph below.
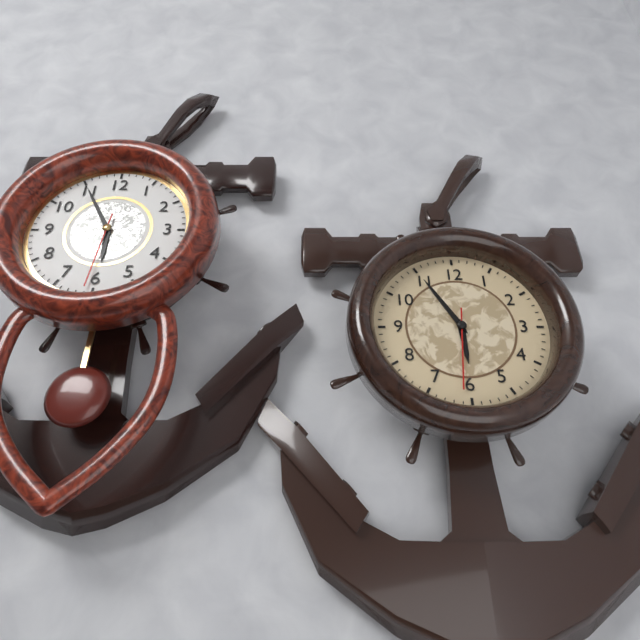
5:55:31
